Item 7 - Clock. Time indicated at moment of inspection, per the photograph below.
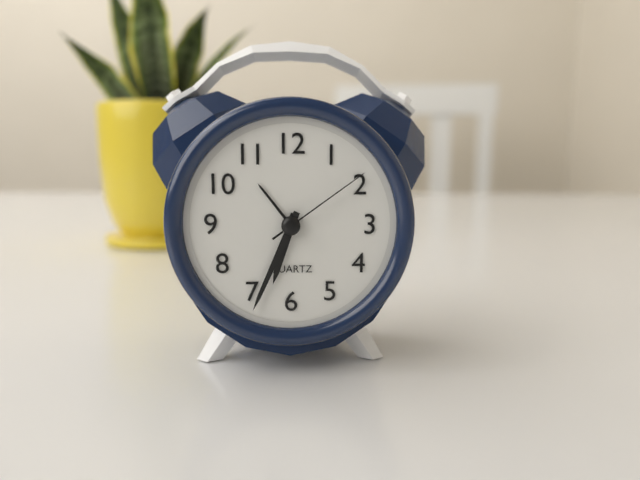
6:34:09
